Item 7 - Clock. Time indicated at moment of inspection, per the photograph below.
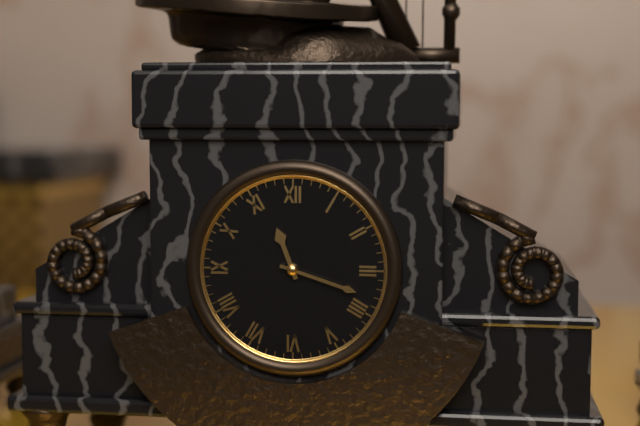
11:18
